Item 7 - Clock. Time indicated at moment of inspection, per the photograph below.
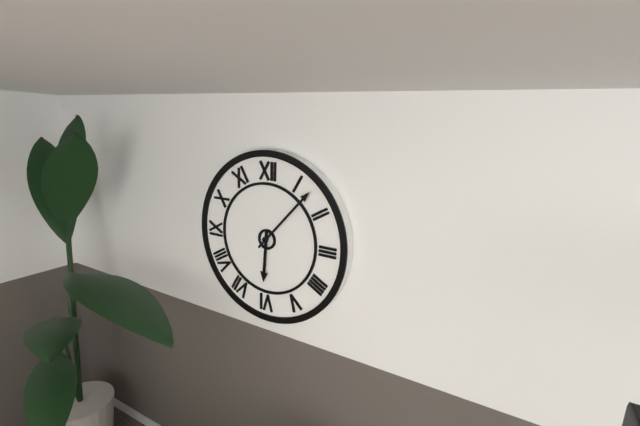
6:07
